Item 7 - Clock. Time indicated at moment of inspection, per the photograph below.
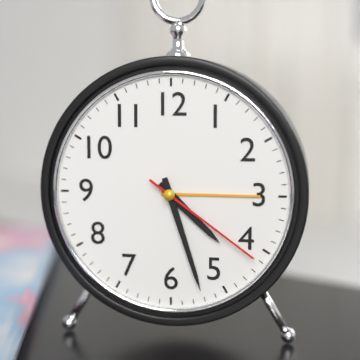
4:27:21
